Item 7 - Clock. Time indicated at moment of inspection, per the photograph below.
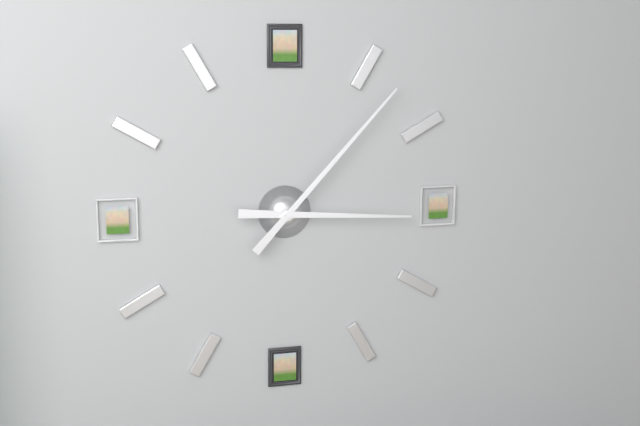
3:07
